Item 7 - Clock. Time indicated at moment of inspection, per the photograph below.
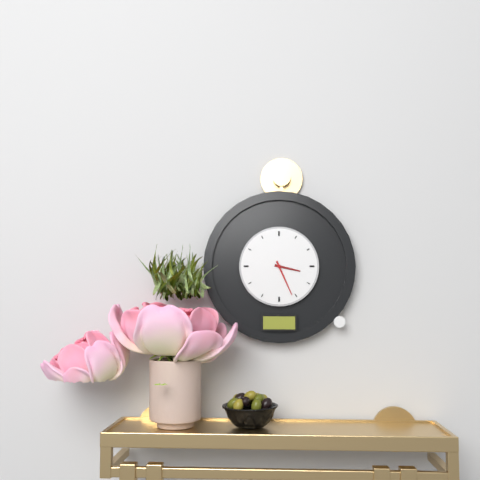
3:26
